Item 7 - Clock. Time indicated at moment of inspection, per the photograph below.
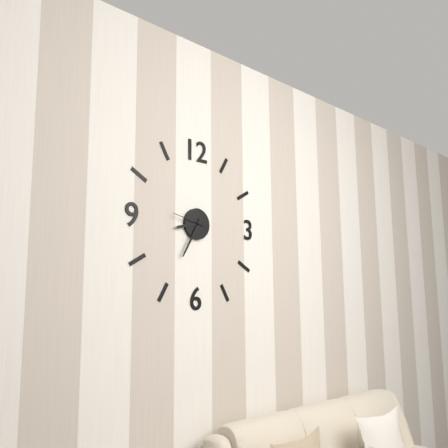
8:35
